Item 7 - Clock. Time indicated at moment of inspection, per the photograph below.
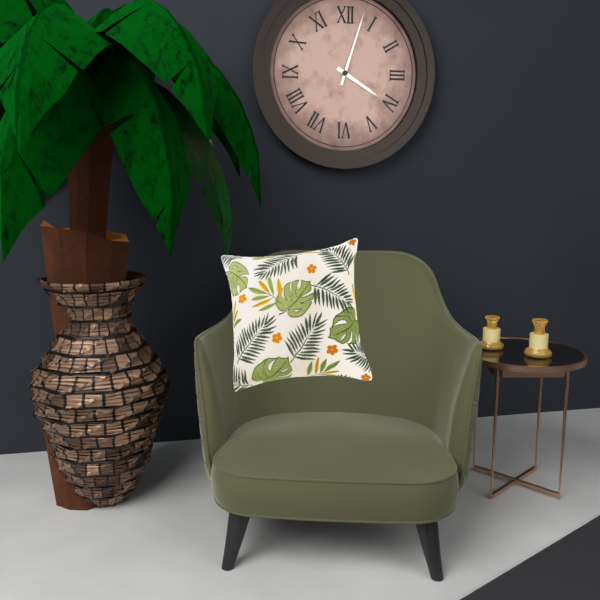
4:03
